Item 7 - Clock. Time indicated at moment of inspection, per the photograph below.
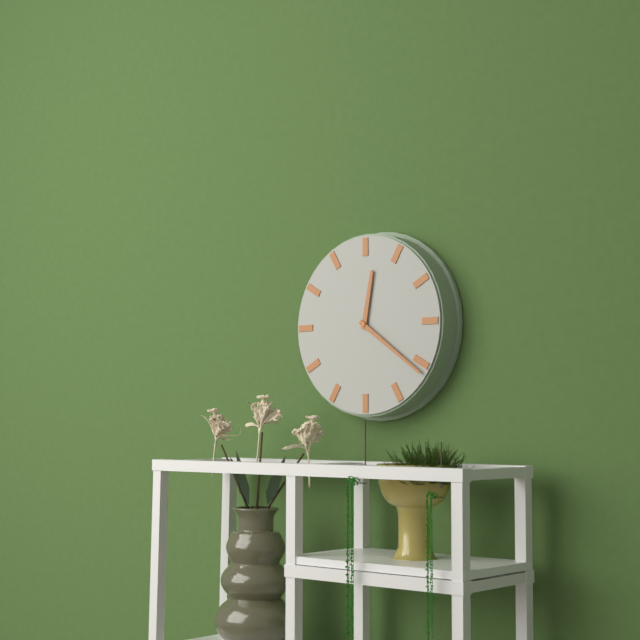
12:21
